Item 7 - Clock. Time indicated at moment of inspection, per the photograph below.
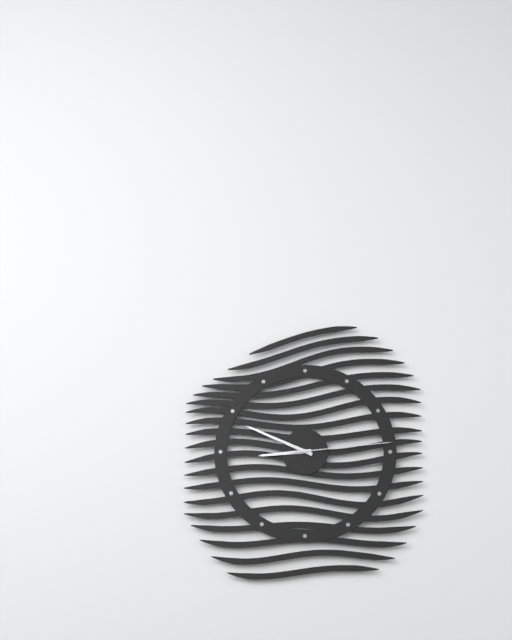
8:49:14
